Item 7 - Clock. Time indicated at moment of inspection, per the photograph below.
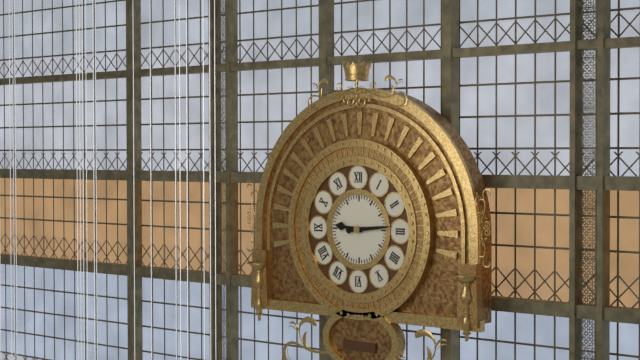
9:14
